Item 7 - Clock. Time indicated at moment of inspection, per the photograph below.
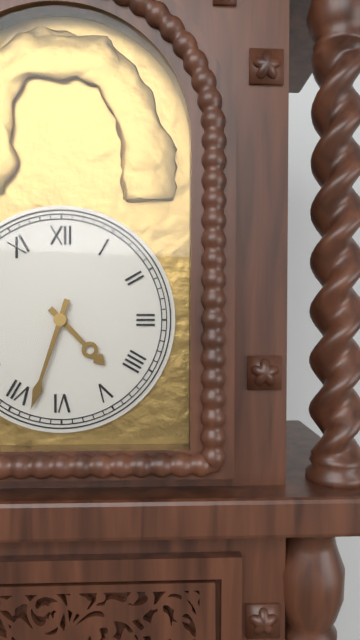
4:33
